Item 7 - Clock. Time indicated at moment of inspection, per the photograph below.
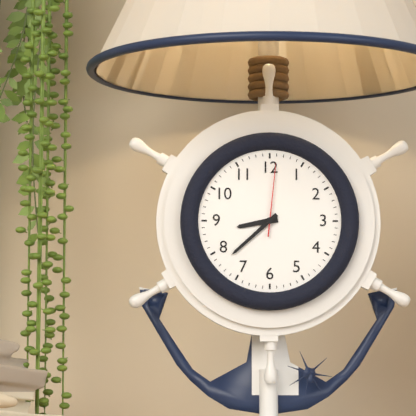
8:38:01
